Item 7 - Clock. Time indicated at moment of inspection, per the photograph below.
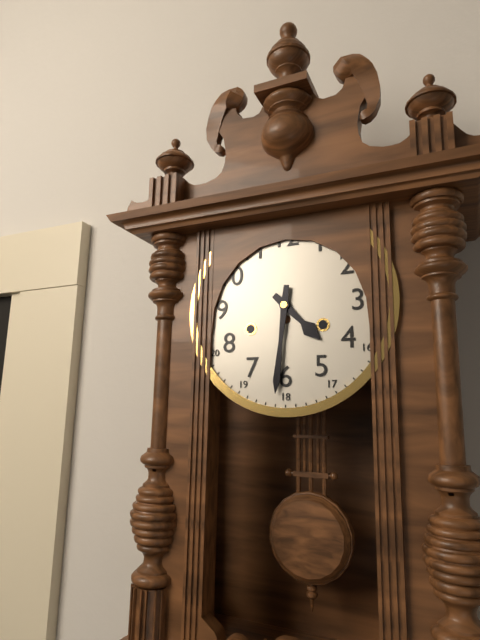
4:31
